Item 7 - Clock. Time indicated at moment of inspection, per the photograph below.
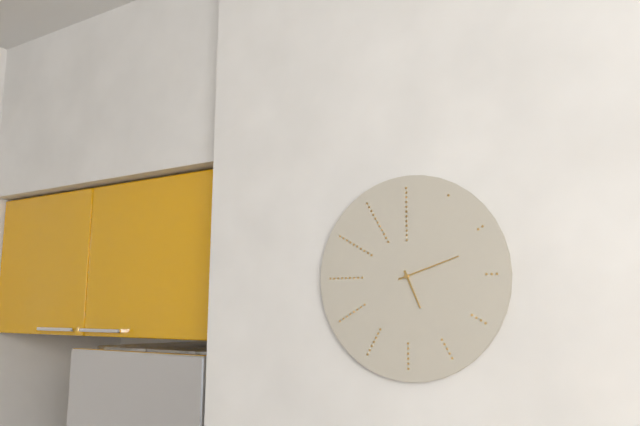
5:12
